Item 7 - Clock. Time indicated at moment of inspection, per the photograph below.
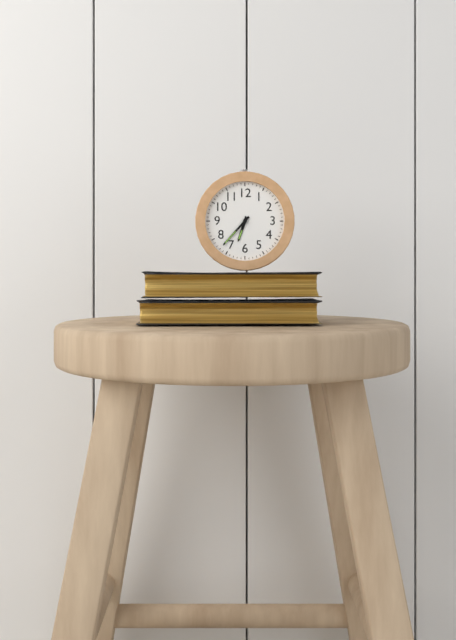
6:37
